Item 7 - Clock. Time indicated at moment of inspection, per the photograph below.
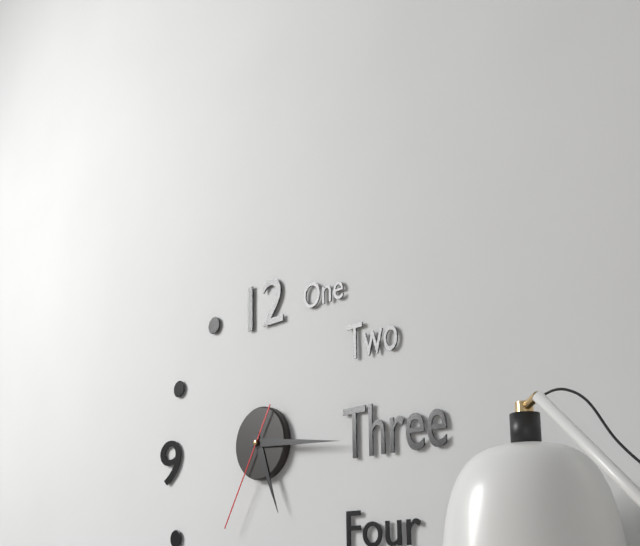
5:16:35
